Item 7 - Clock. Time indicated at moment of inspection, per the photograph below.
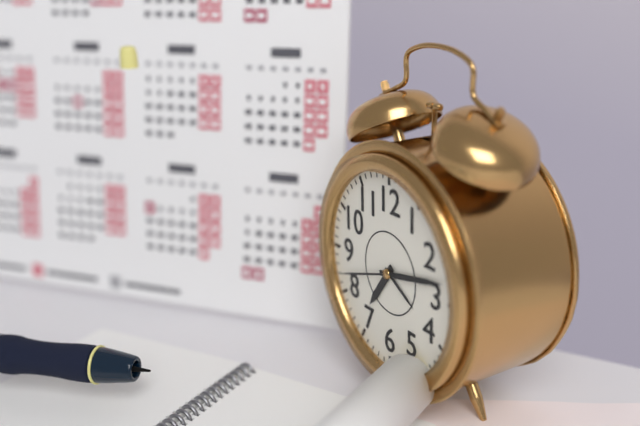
7:13:42
